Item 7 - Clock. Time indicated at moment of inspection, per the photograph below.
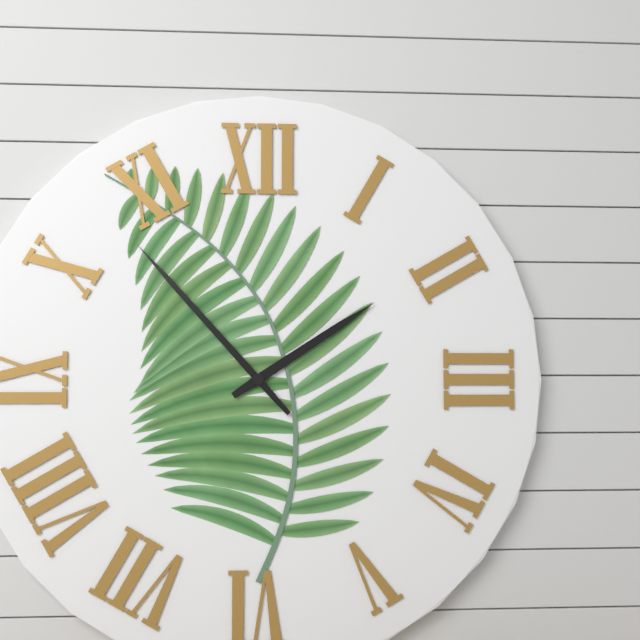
1:53
